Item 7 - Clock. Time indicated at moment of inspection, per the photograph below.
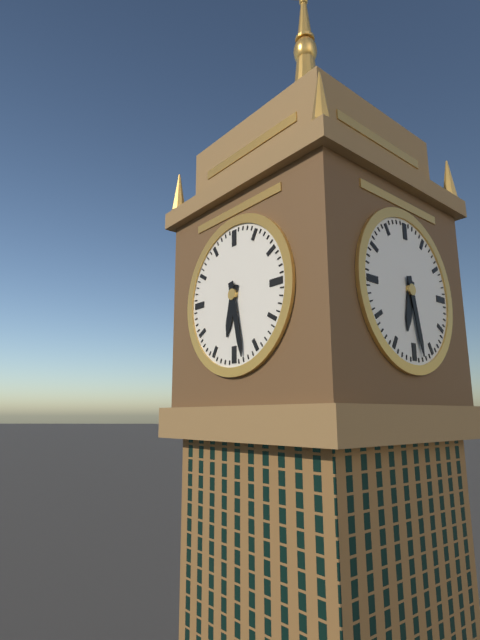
6:28
